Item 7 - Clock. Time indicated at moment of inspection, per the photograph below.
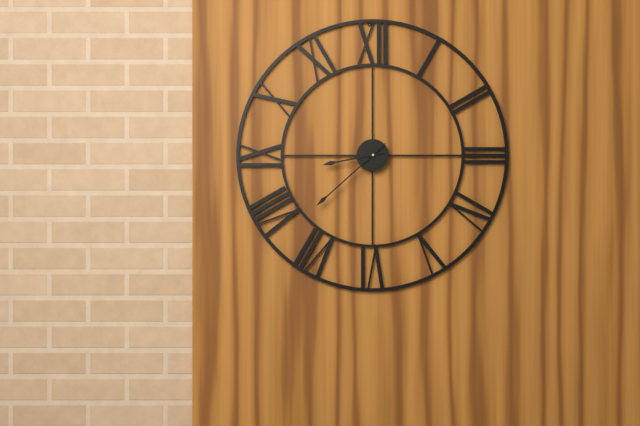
8:38
